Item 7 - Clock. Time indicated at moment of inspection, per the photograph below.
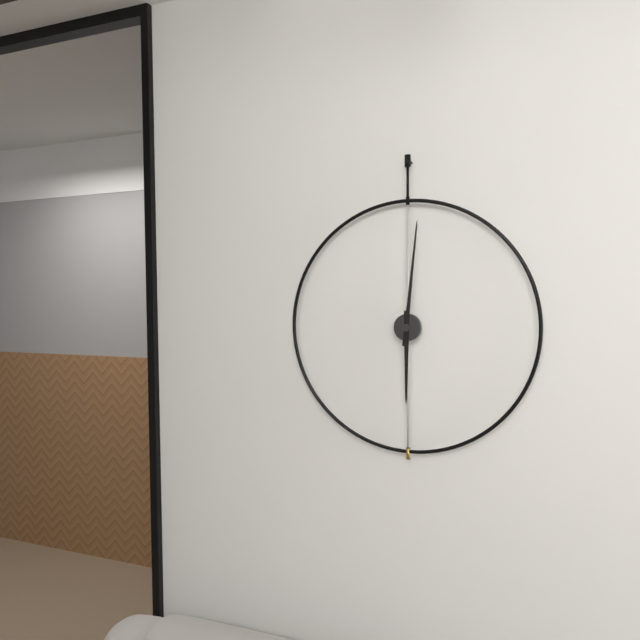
6:01
